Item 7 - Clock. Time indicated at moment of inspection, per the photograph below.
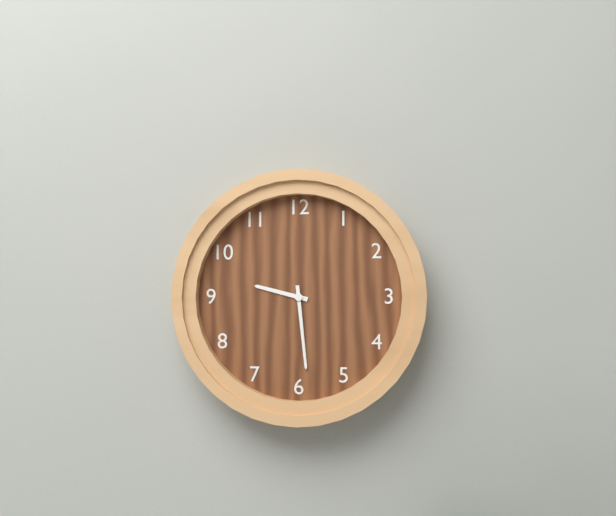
9:29
